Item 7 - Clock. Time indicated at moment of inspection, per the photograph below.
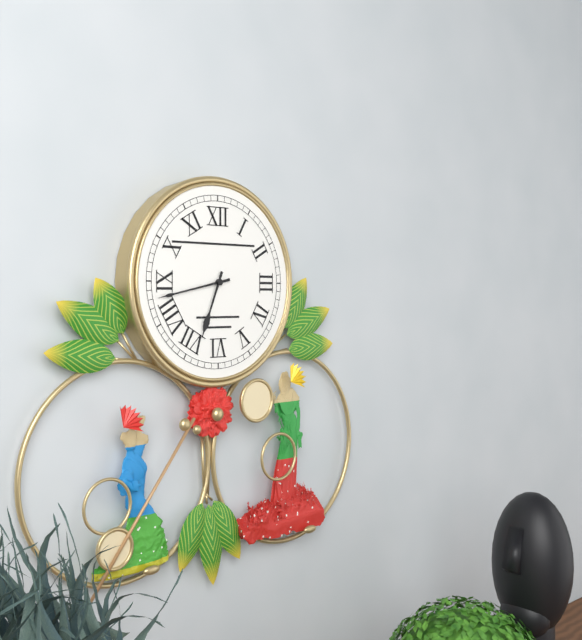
6:43
